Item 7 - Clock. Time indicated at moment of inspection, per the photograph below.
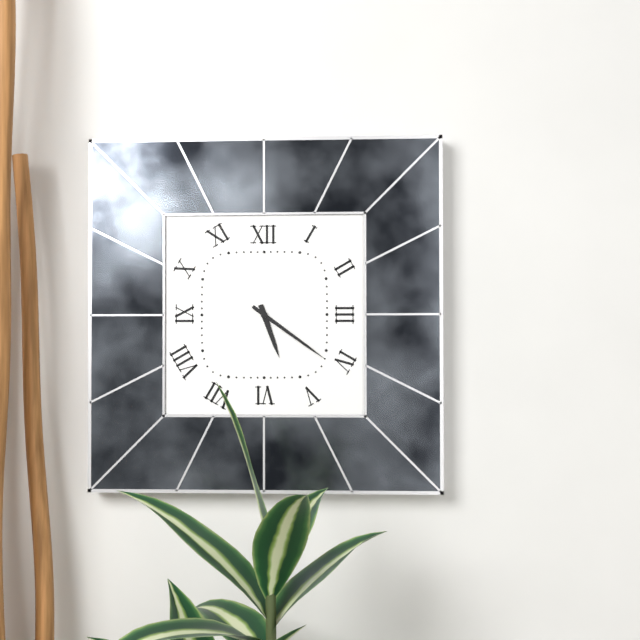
5:21
